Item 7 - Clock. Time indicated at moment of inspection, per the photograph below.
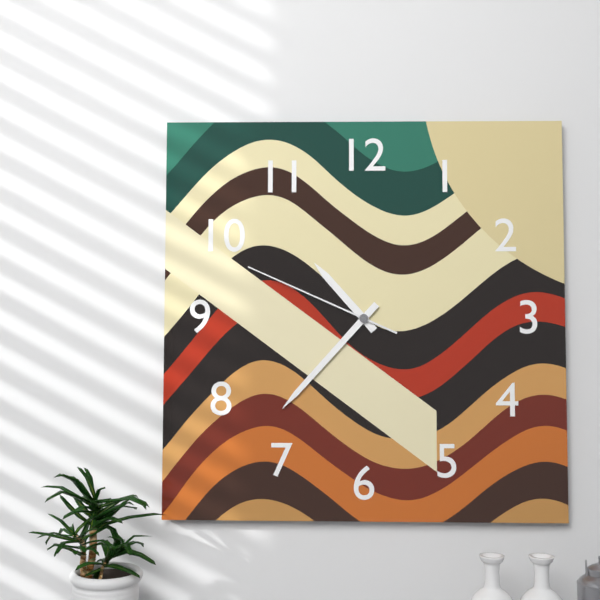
10:37:49
